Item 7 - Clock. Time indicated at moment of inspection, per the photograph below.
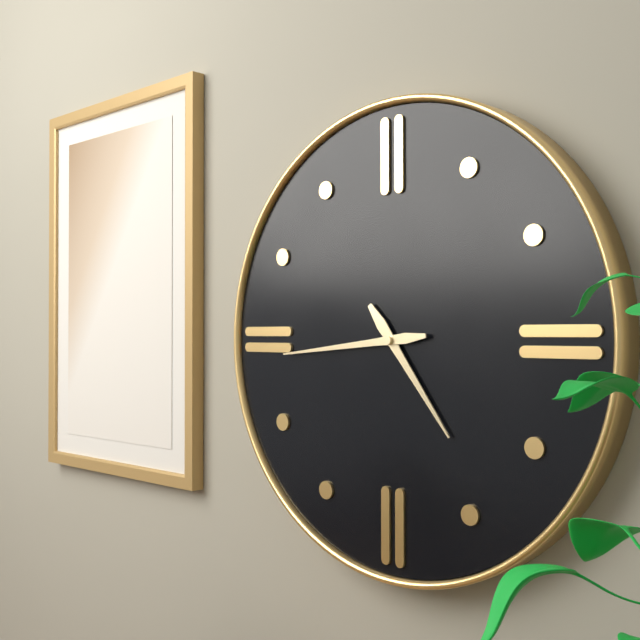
4:44
